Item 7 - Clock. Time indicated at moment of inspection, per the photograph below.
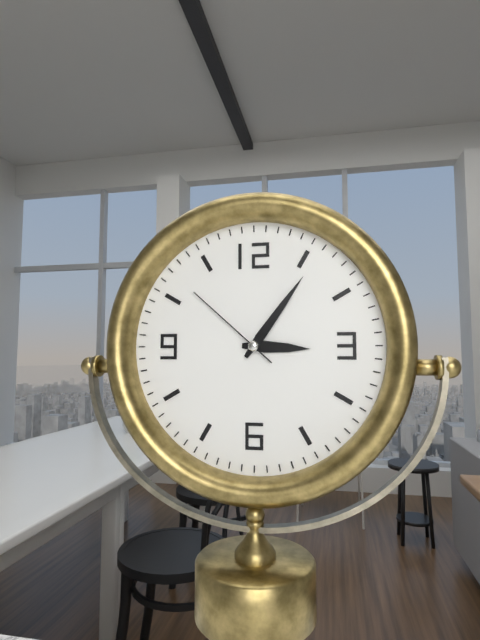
3:06:52
